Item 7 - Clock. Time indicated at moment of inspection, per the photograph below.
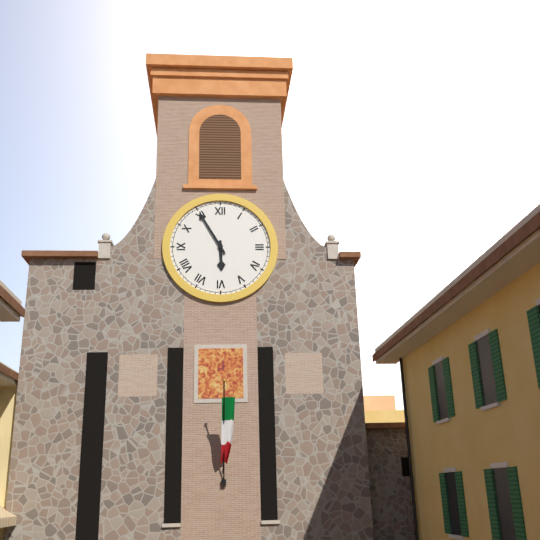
5:55
